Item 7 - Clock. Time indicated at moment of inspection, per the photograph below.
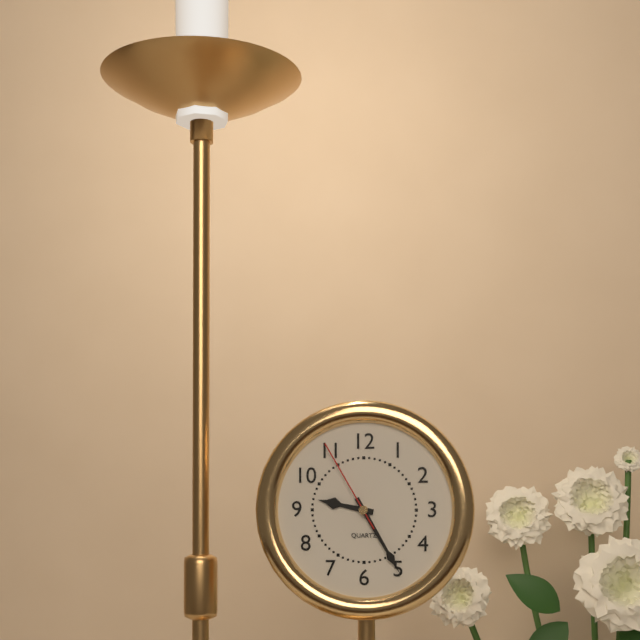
9:25:55
